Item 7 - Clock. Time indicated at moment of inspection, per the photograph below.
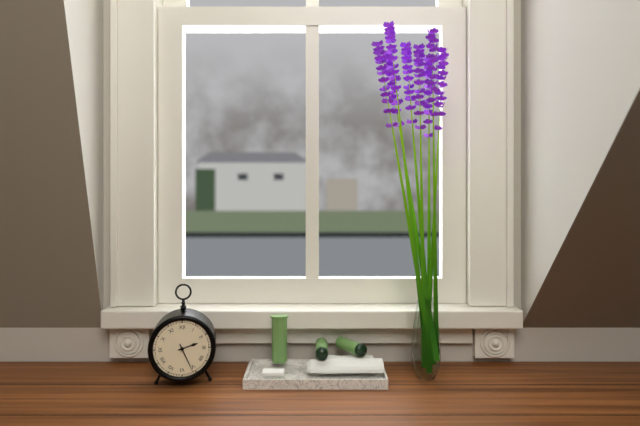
2:26
